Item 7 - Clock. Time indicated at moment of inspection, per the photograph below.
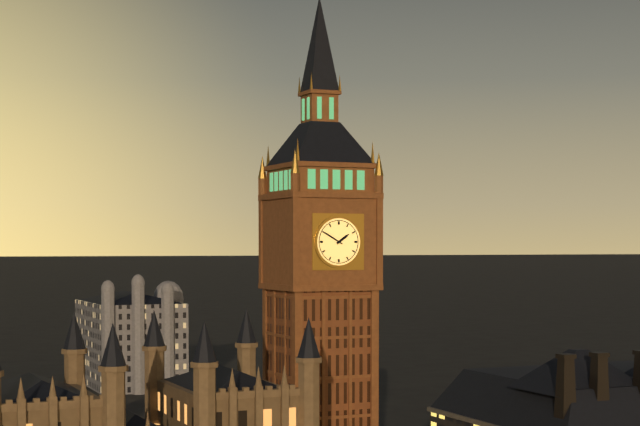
1:50
